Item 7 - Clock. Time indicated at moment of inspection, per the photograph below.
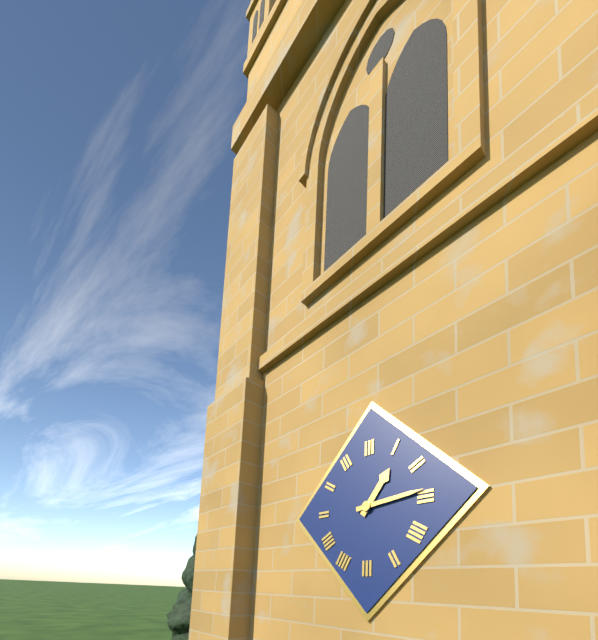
1:14
